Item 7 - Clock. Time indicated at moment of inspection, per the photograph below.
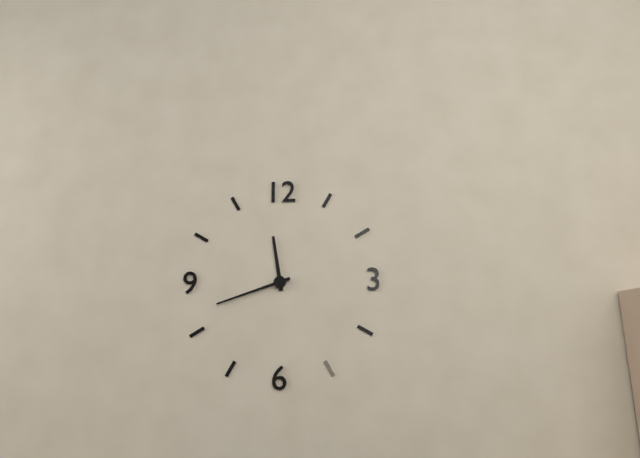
11:42
